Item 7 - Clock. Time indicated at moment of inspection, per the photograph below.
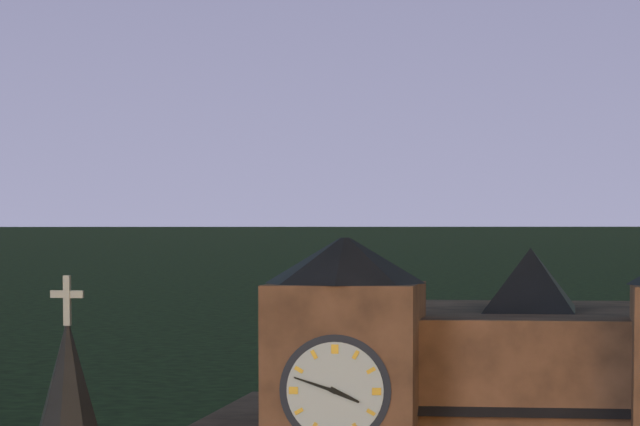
3:48
